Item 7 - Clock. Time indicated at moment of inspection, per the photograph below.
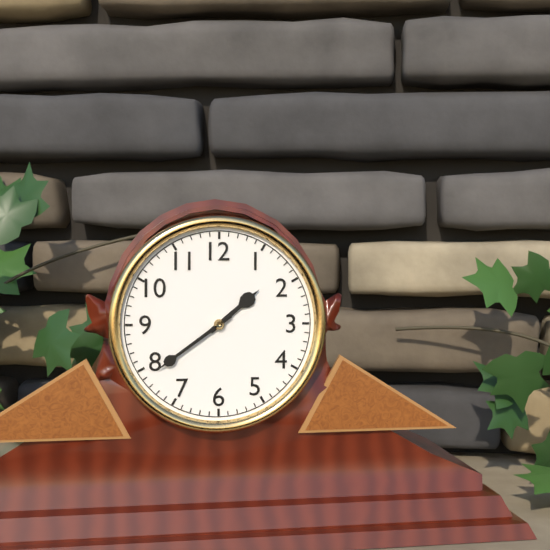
1:39
